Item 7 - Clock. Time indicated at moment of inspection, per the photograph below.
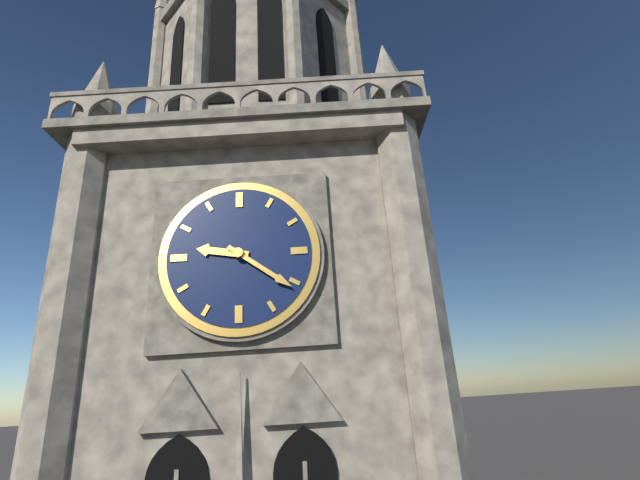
9:21
